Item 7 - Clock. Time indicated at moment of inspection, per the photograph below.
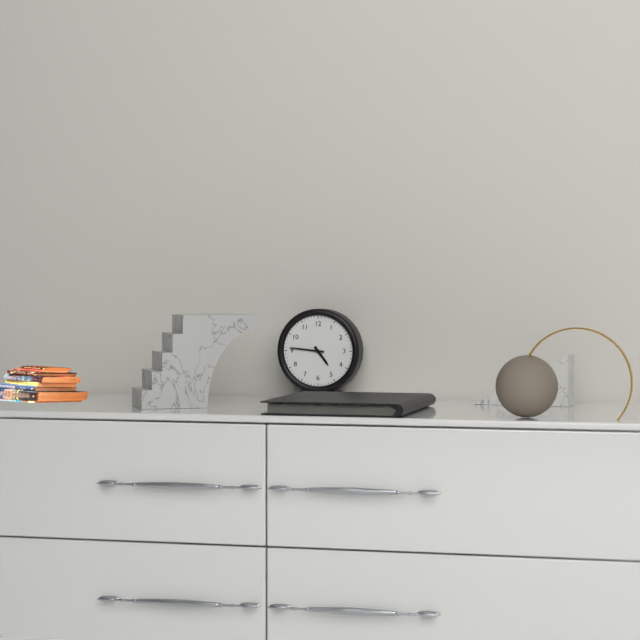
4:46
